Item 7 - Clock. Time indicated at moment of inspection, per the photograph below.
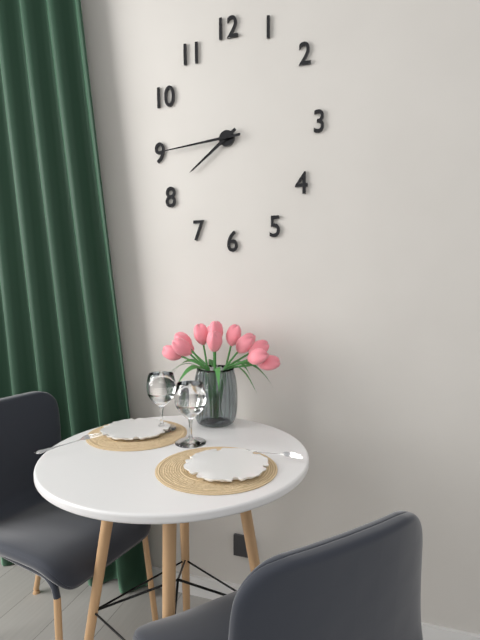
7:44
